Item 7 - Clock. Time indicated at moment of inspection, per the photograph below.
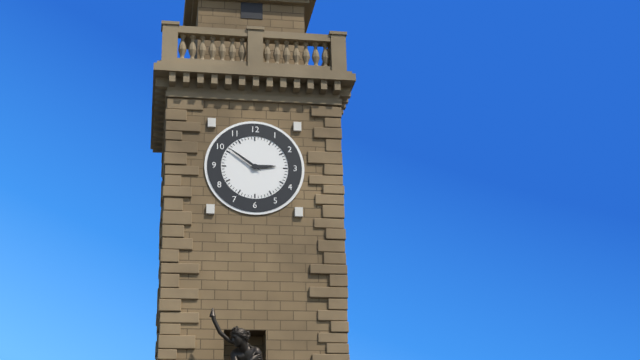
2:51
